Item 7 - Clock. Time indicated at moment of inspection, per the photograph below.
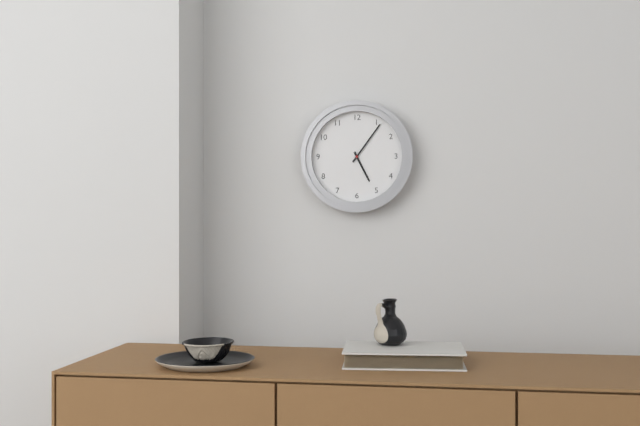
5:06
